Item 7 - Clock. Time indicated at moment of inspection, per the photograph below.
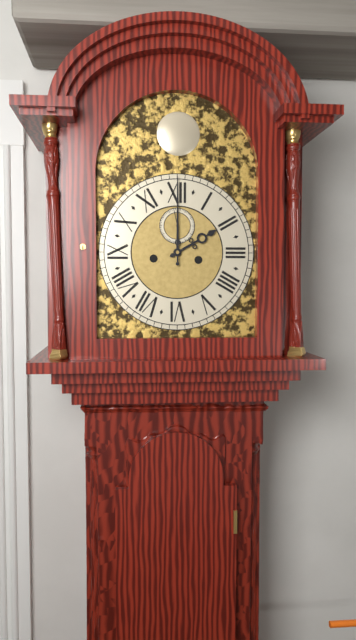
2:00
